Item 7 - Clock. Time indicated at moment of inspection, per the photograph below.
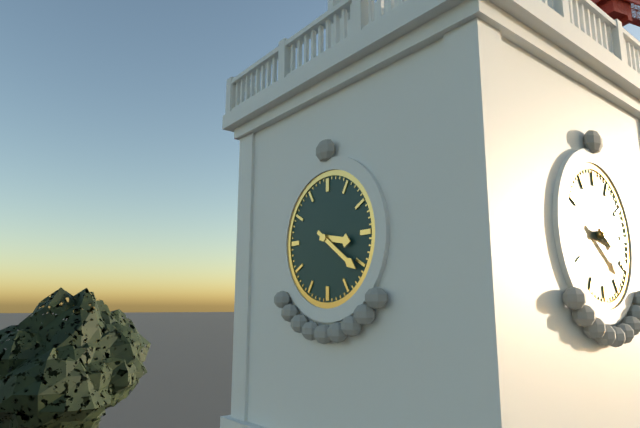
3:21
